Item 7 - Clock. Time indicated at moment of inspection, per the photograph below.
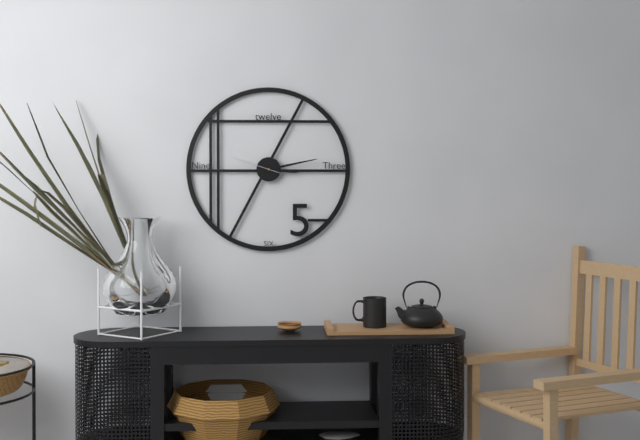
3:13
